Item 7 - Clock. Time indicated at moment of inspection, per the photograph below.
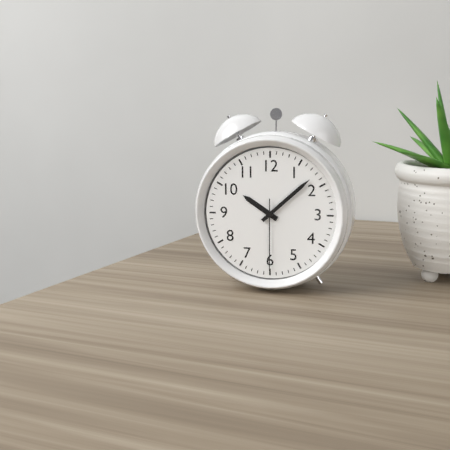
10:08:30
